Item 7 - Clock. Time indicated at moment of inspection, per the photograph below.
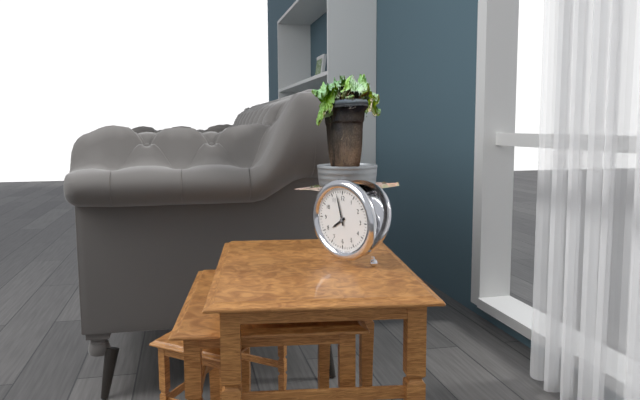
7:57
